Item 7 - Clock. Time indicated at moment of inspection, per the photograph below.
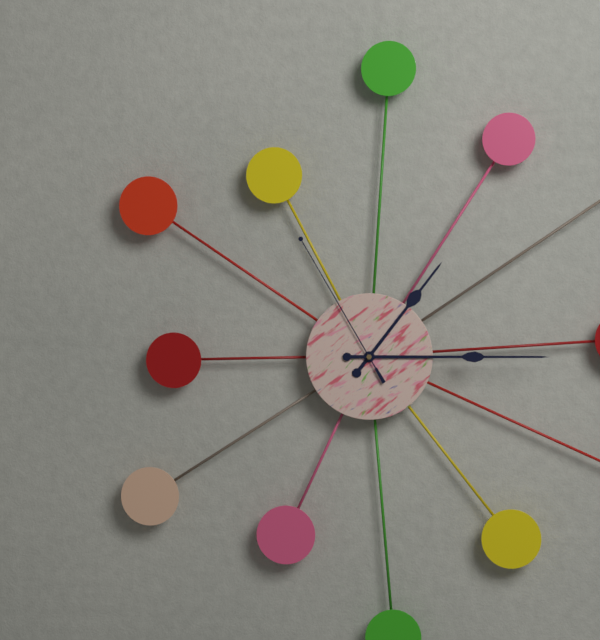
1:15:55
